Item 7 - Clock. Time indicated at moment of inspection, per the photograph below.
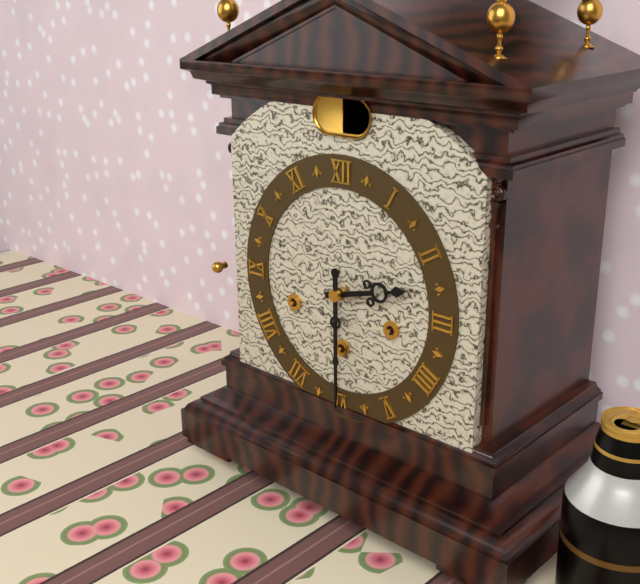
2:30
